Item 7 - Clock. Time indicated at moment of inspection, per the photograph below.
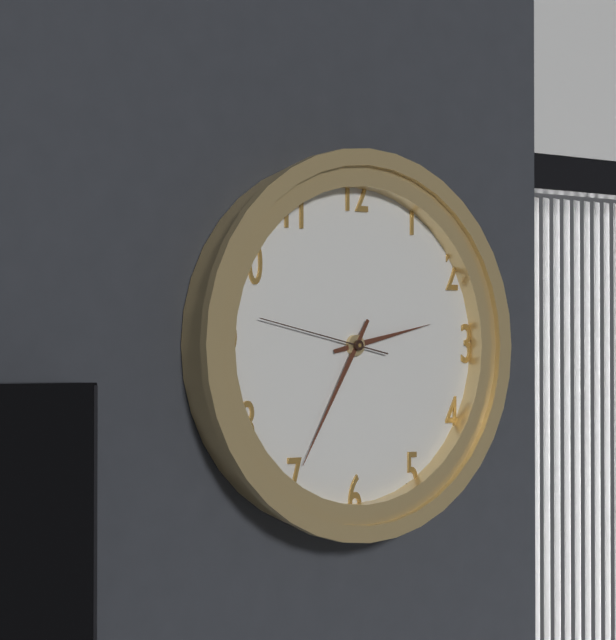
2:35:47
